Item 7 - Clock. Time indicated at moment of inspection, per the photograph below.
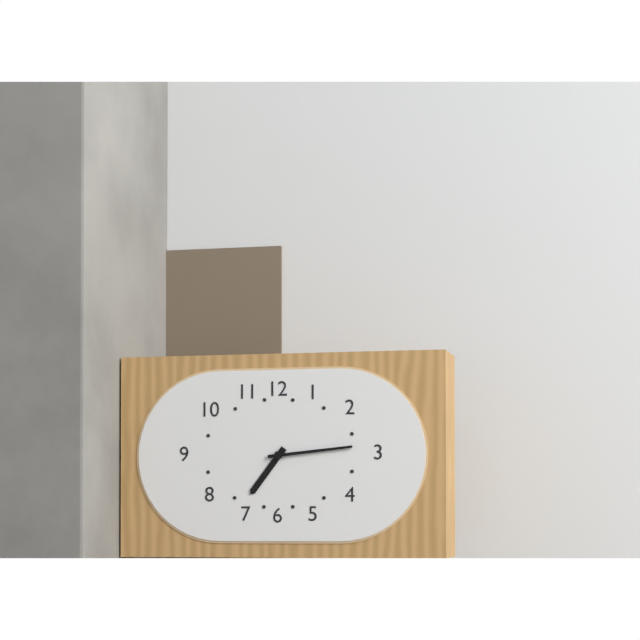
7:14
